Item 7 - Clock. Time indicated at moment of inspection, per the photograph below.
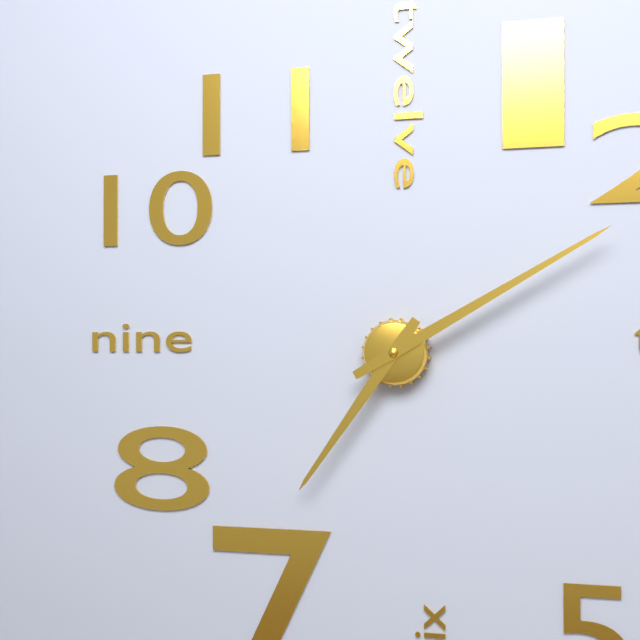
7:10
